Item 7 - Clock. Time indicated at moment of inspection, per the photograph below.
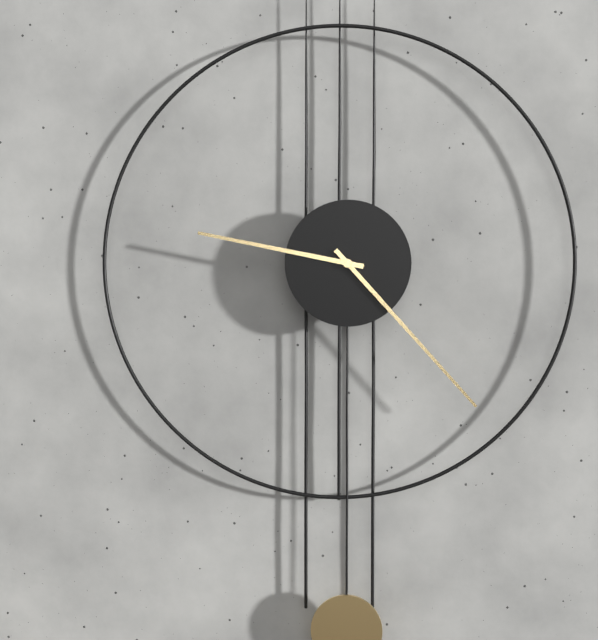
9:23
